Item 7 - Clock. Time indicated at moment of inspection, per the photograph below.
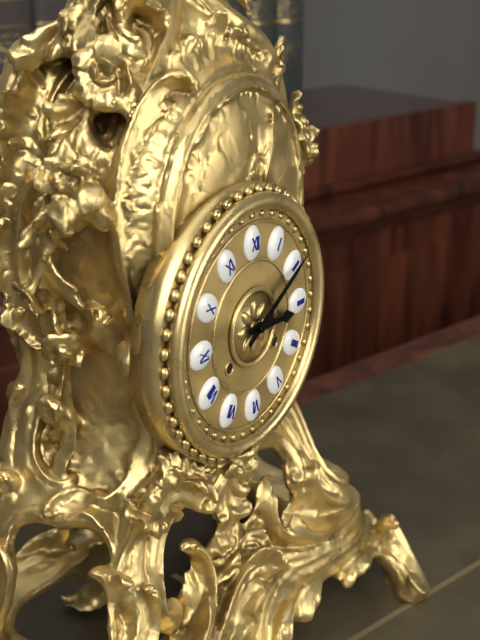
3:10
